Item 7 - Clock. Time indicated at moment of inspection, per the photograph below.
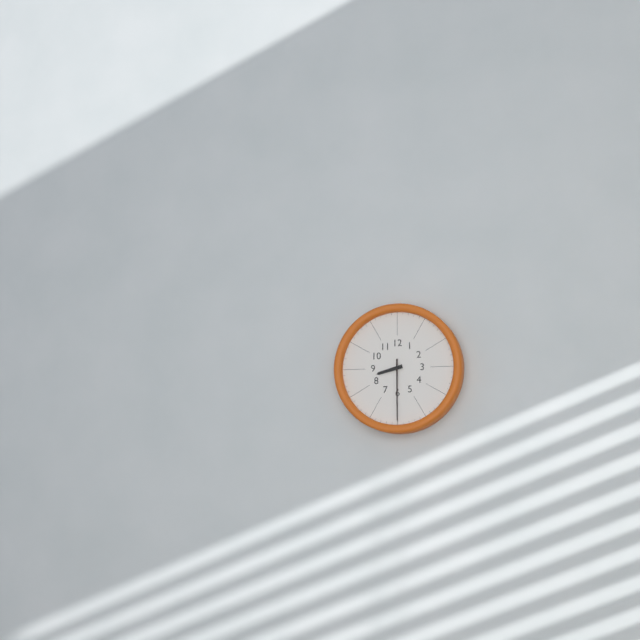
8:30
